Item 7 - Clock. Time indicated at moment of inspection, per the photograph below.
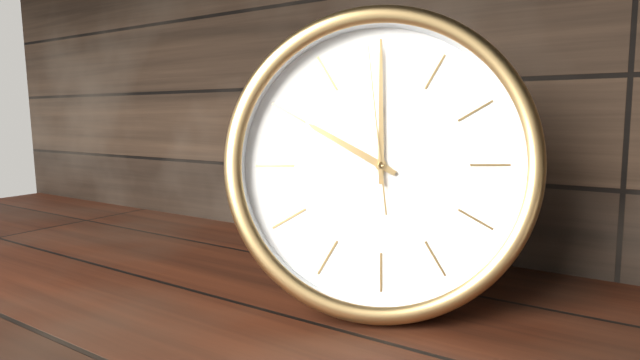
10:00:59
